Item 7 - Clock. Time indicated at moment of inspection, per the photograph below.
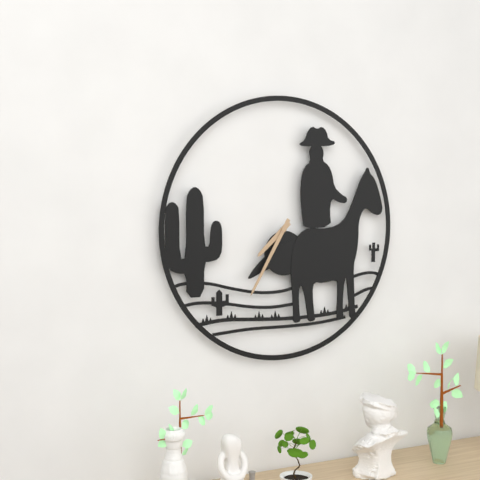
7:35
